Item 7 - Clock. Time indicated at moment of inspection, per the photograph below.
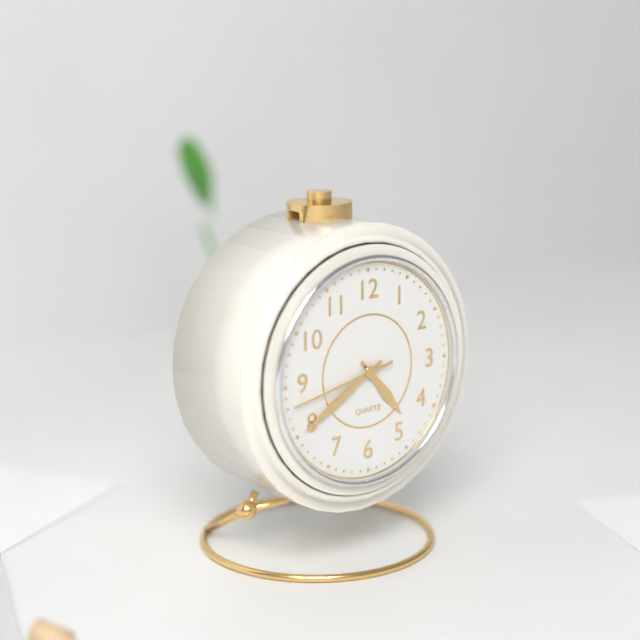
4:40:43
